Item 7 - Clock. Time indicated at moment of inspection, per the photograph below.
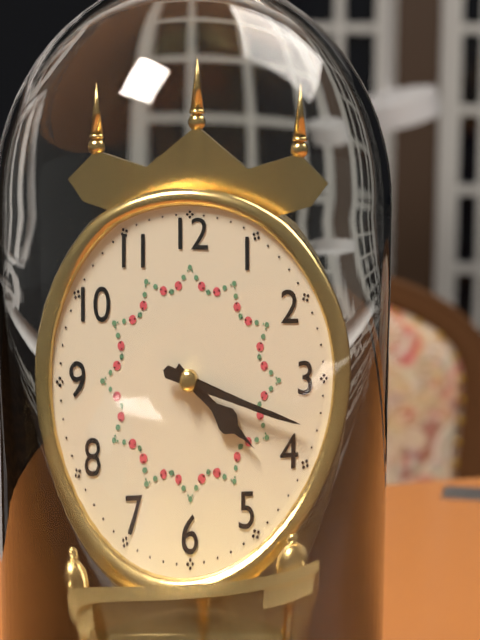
4:18
